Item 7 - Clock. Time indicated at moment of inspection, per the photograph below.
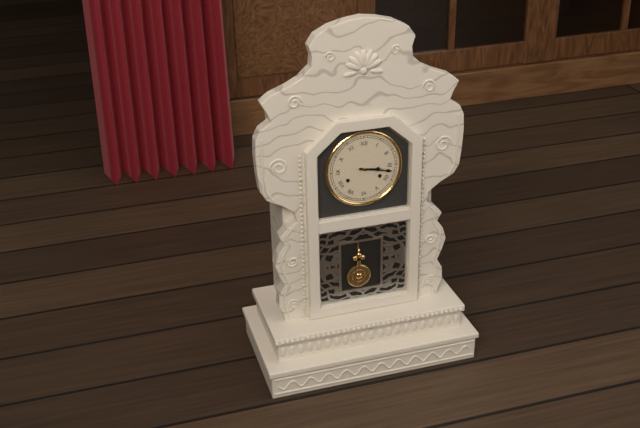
3:17
